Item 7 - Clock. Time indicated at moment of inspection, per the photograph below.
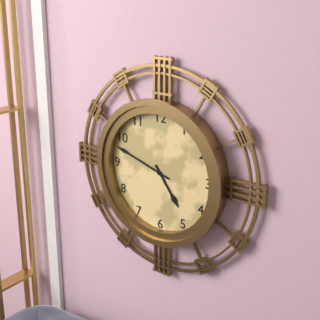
4:48
